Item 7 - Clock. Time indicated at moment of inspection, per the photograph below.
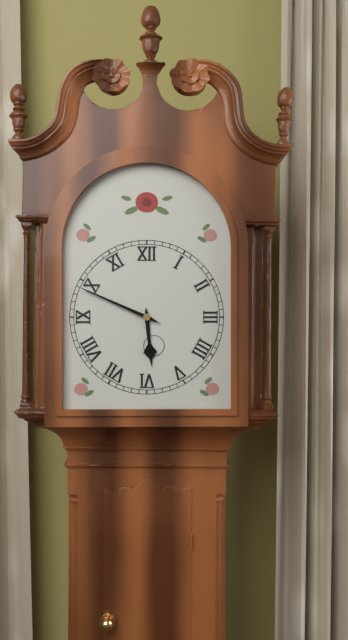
5:49
